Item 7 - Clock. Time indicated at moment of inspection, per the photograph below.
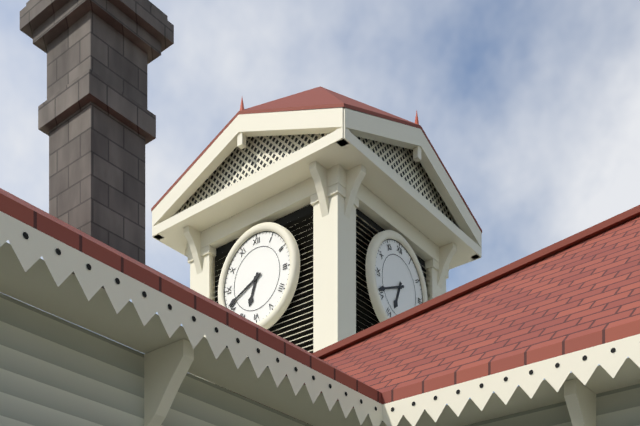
6:41
